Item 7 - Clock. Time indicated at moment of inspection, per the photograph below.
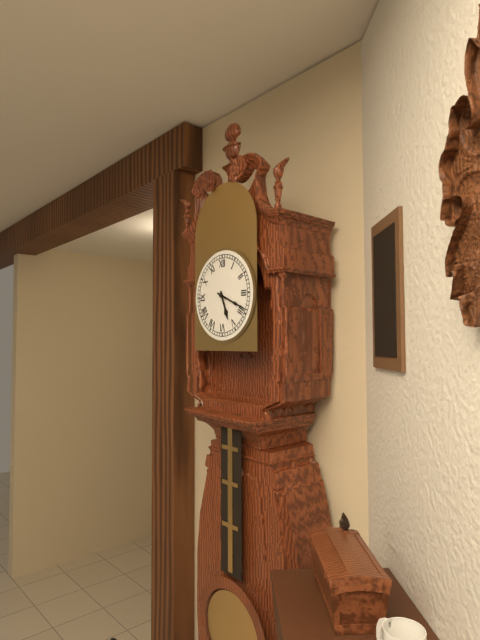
5:19
